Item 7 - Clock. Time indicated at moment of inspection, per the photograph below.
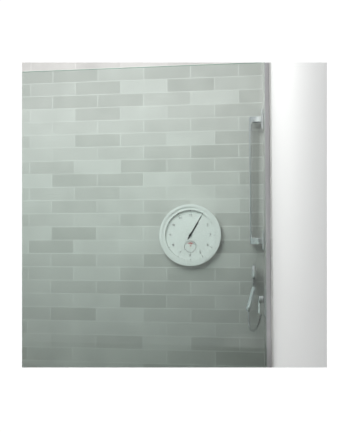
1:05
